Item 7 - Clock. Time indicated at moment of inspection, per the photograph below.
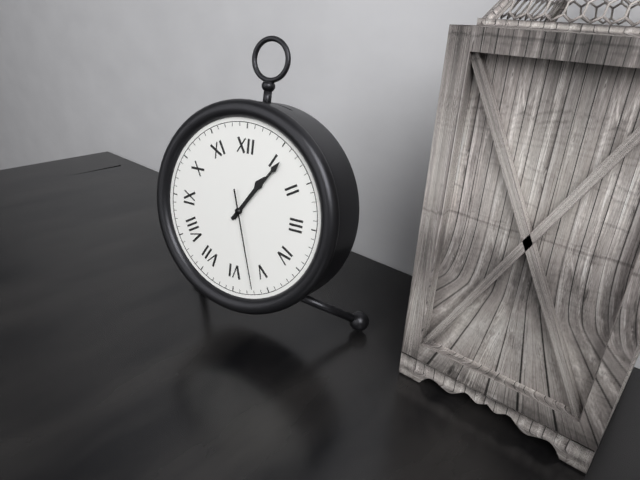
1:06:27
